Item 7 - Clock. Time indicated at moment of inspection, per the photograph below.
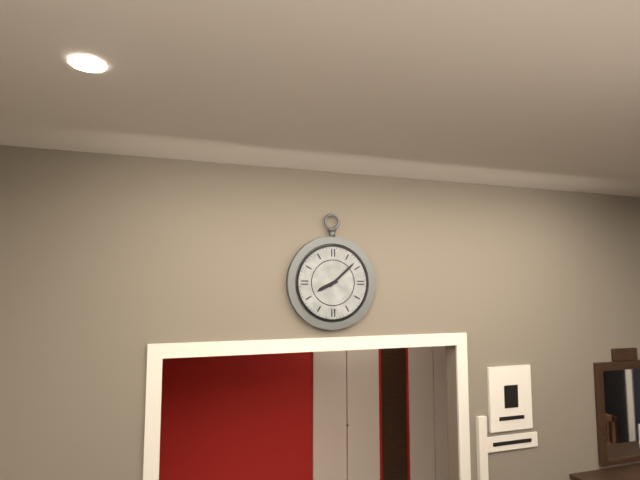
8:08
